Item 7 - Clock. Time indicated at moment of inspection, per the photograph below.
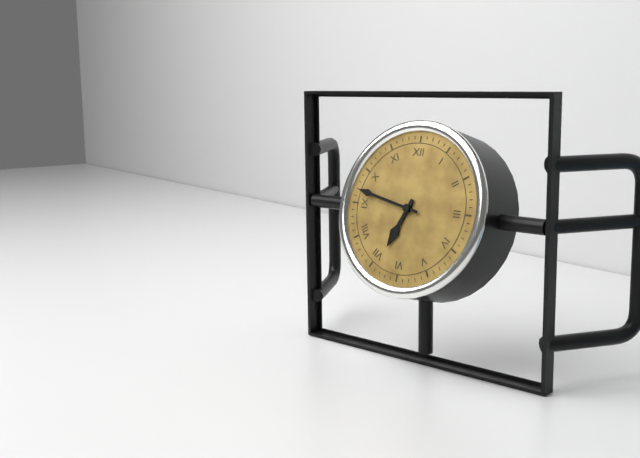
6:47
